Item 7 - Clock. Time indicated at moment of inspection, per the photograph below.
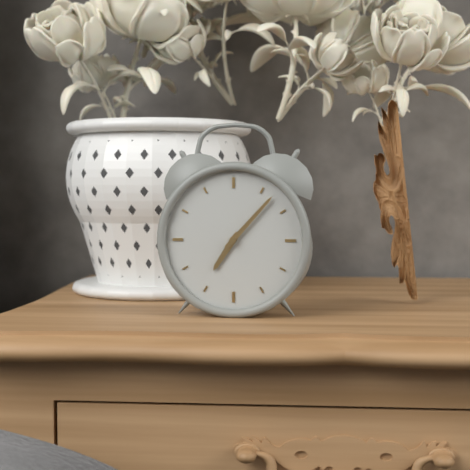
7:07
